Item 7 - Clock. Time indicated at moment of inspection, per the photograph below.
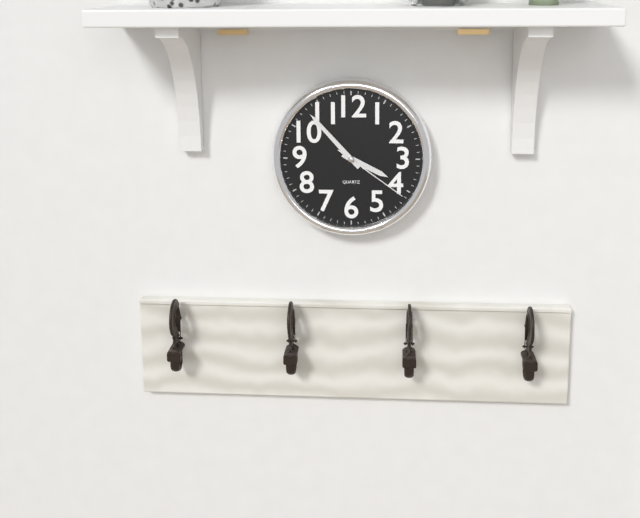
3:53:21
